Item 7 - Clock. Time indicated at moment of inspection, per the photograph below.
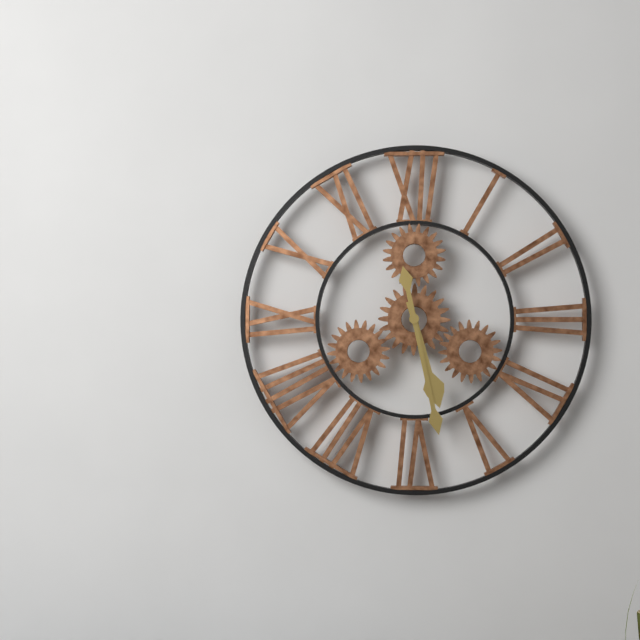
5:28
